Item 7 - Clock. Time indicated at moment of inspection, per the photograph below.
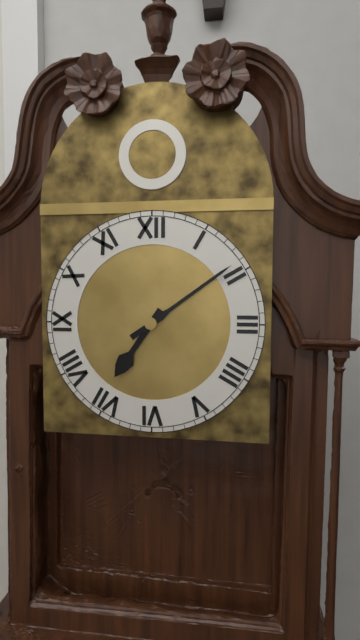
7:09
